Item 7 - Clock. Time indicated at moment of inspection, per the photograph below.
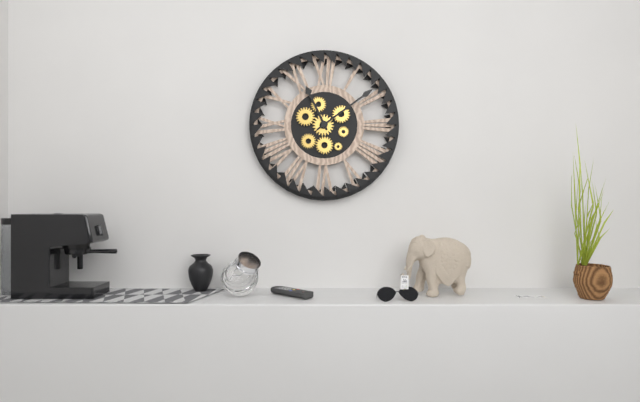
11:09
